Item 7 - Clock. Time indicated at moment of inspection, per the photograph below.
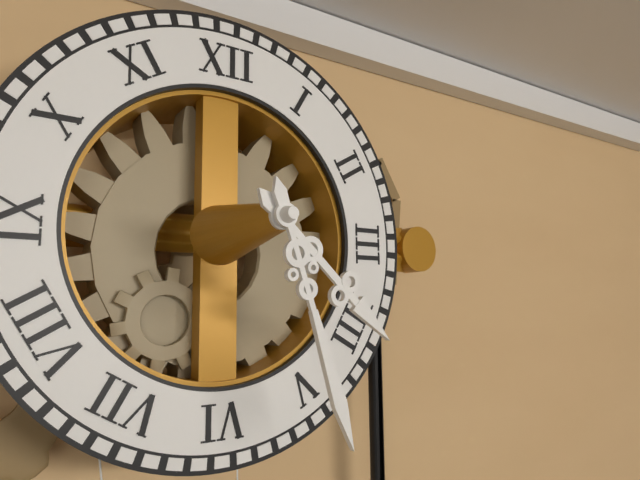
4:27
